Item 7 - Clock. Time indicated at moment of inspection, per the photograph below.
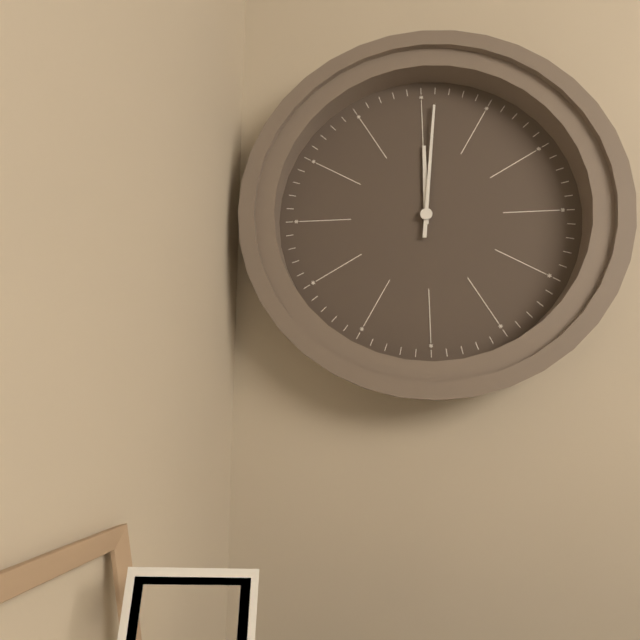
12:01
